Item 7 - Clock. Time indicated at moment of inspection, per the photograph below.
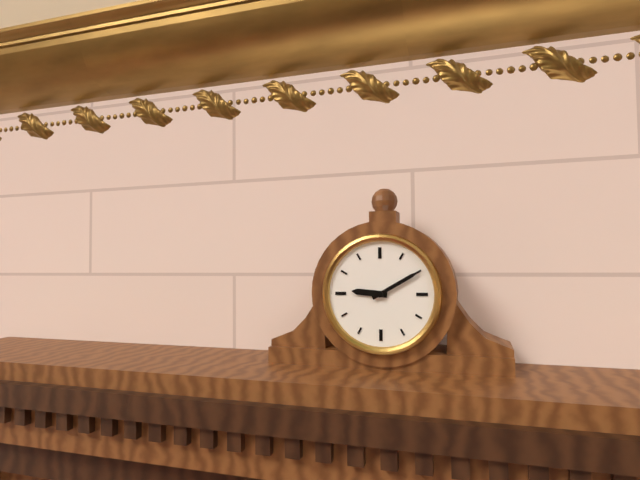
9:10
